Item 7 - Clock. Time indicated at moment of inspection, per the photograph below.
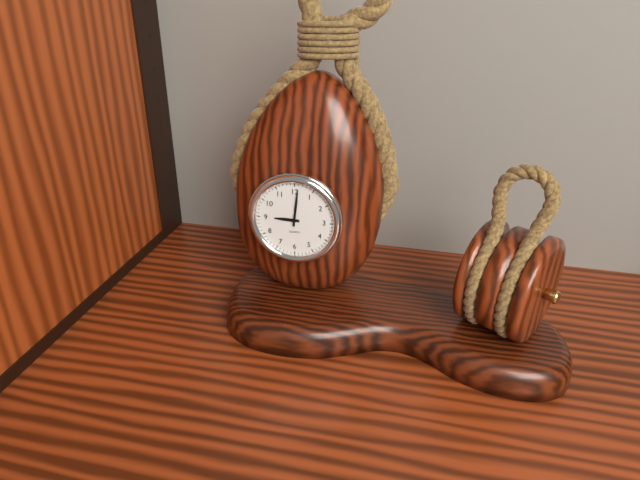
9:01
